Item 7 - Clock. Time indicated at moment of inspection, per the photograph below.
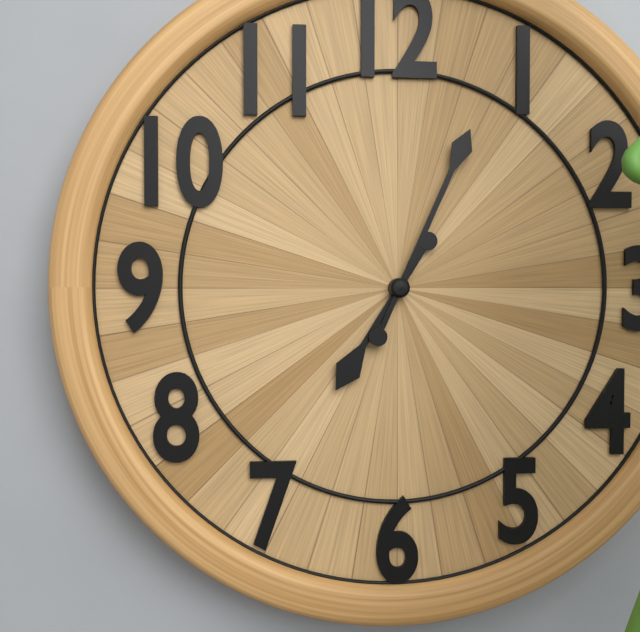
7:04
